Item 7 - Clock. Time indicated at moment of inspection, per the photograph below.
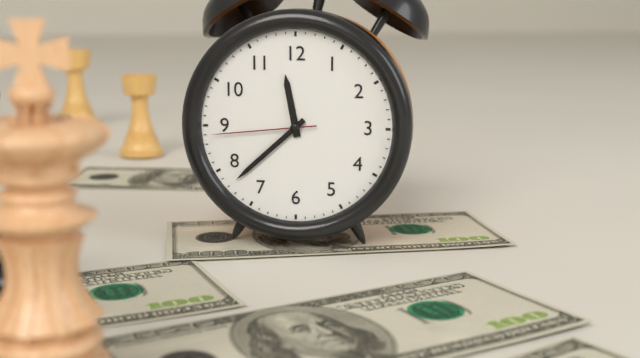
11:38:44
